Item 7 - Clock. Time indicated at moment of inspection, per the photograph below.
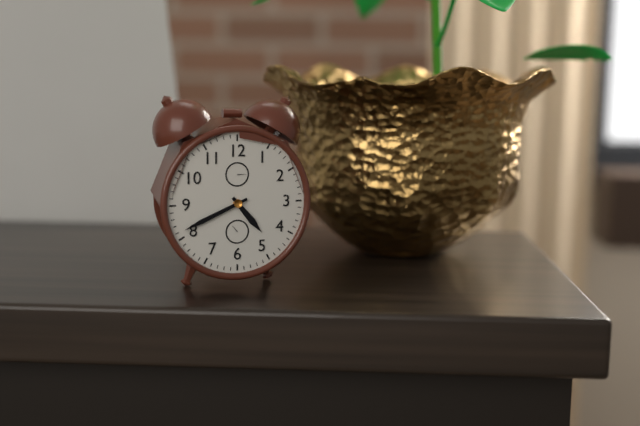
4:41
